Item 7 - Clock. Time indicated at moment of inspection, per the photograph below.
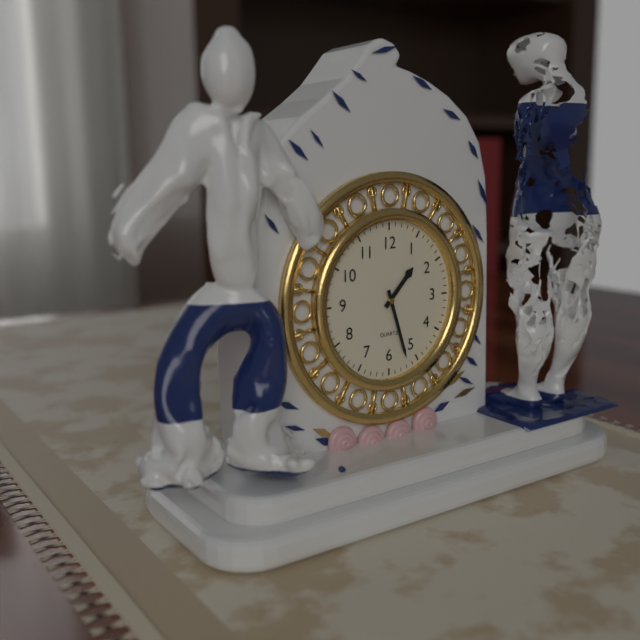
1:27
